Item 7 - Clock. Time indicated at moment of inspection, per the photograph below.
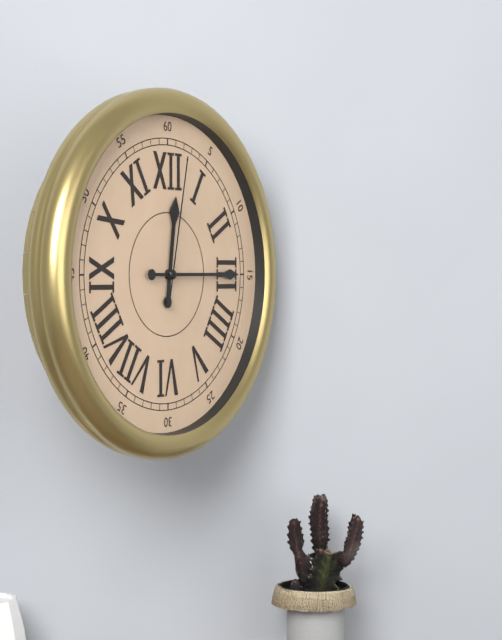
12:15:02
